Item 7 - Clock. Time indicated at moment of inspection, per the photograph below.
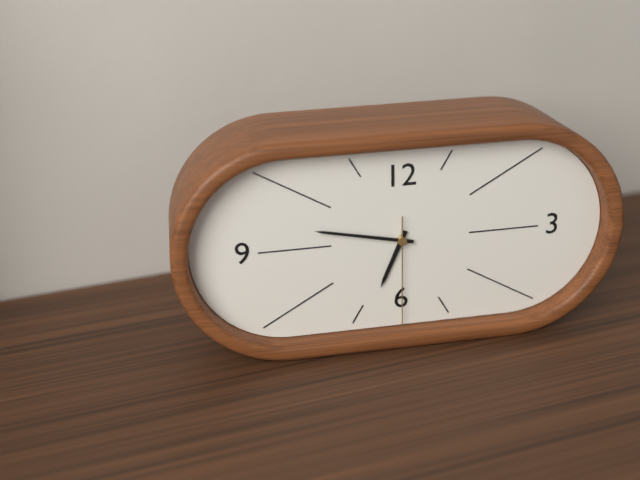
6:47:30
